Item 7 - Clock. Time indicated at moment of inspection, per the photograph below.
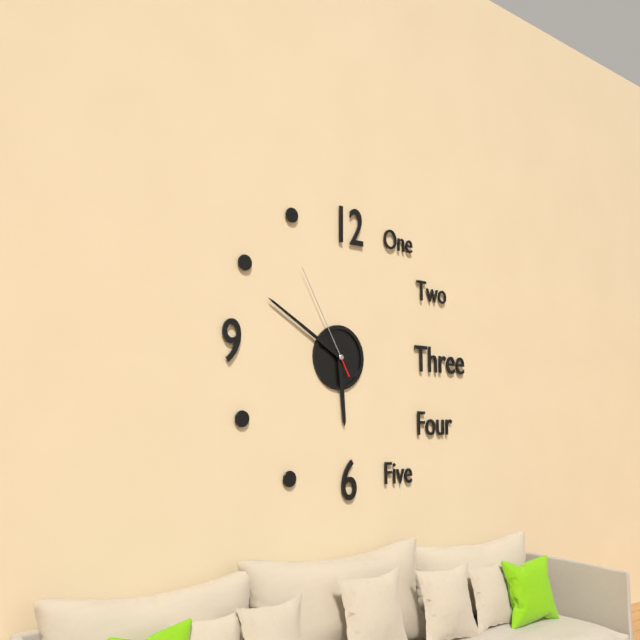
5:50:55
